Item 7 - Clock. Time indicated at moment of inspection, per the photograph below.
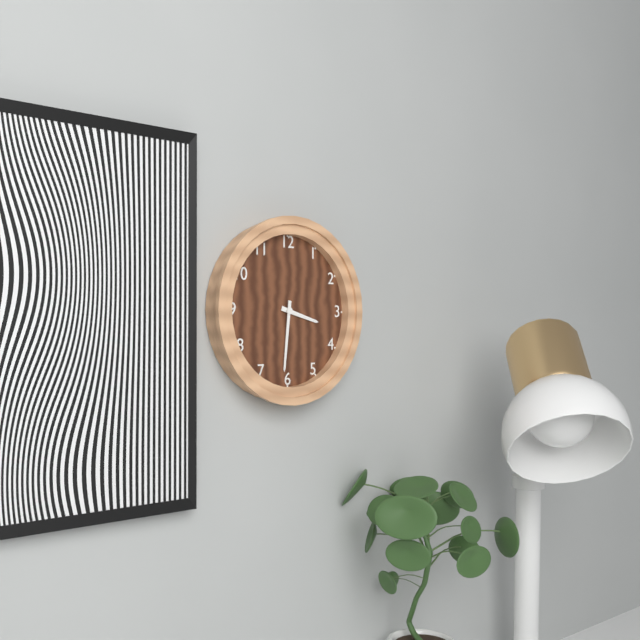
3:31
